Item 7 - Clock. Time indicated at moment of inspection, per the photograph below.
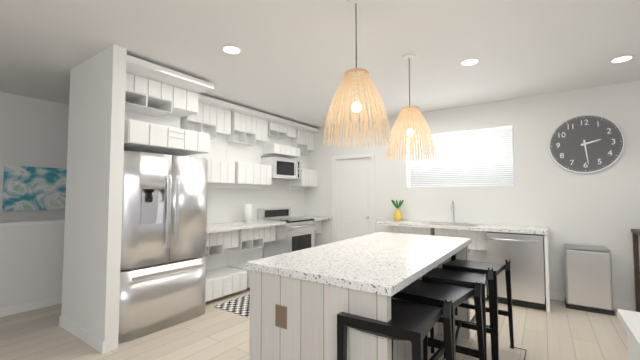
2:29
